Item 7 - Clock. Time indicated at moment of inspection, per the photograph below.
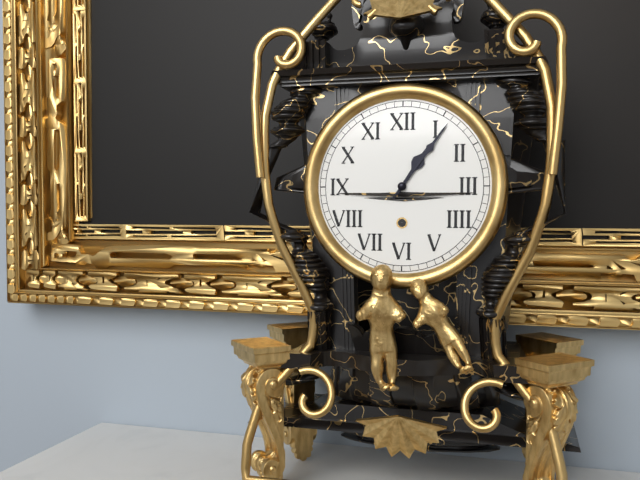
1:06
